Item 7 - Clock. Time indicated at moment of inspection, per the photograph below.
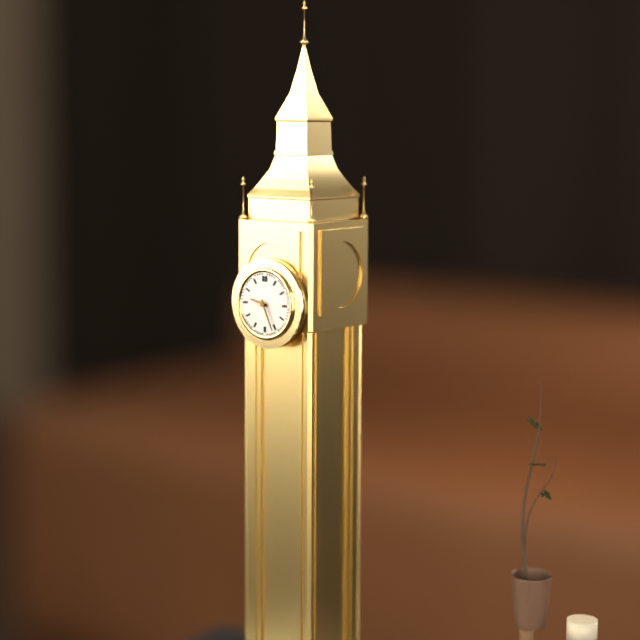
9:26
